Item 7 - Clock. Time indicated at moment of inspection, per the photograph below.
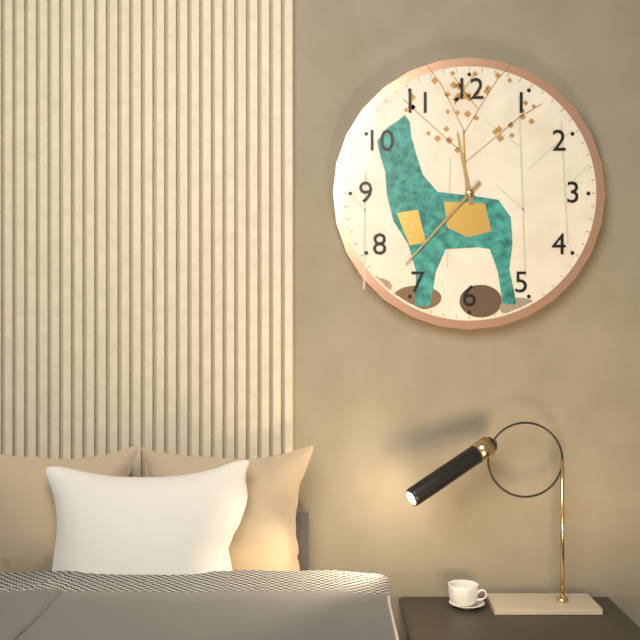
11:37
